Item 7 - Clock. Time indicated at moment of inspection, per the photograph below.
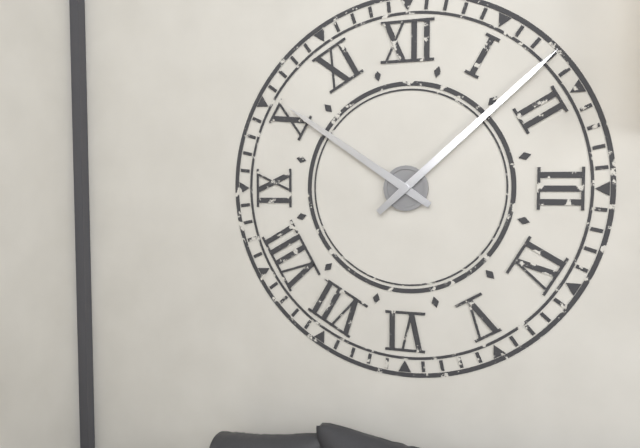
10:08
